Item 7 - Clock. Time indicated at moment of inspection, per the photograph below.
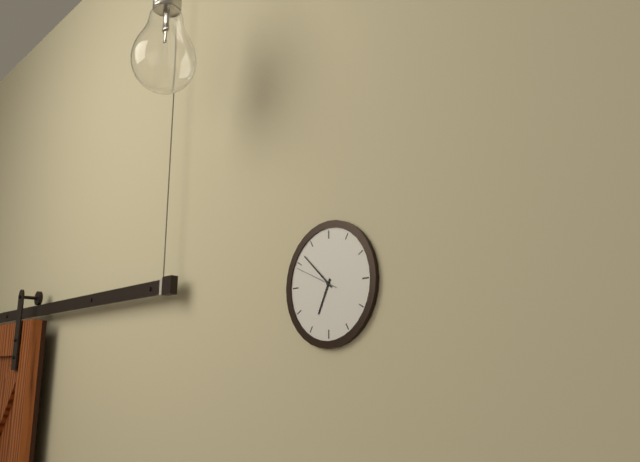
6:52
